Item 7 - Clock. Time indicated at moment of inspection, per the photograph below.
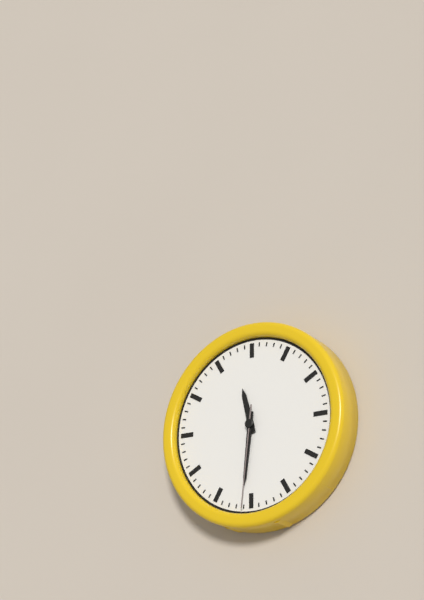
11:31:31
